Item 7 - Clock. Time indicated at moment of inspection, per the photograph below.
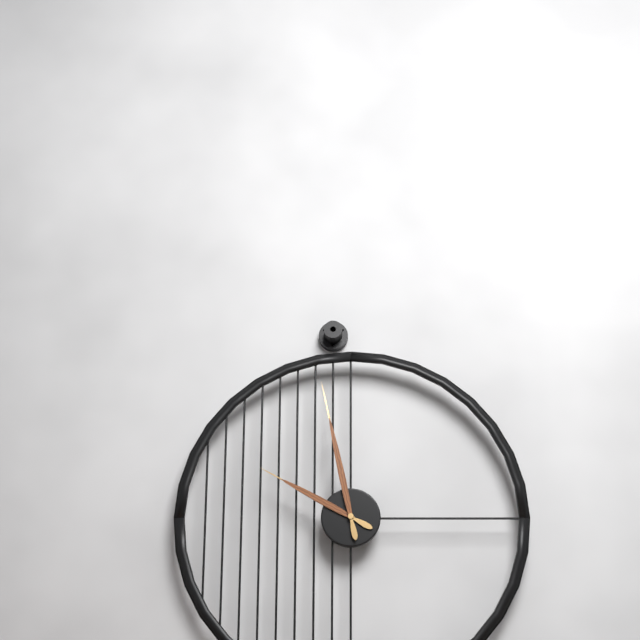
9:58
